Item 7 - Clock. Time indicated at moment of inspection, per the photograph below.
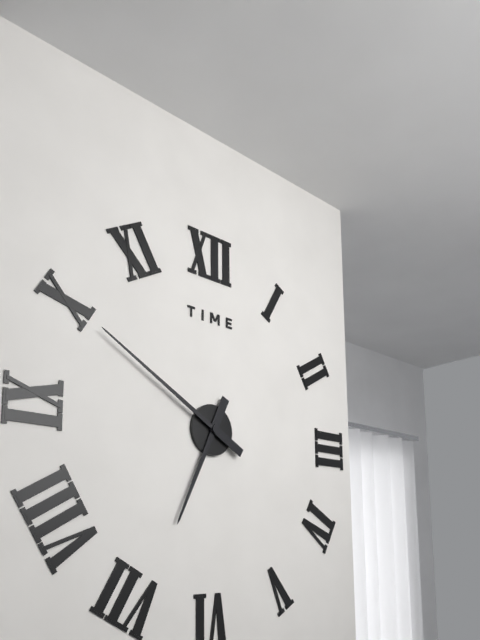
6:50
